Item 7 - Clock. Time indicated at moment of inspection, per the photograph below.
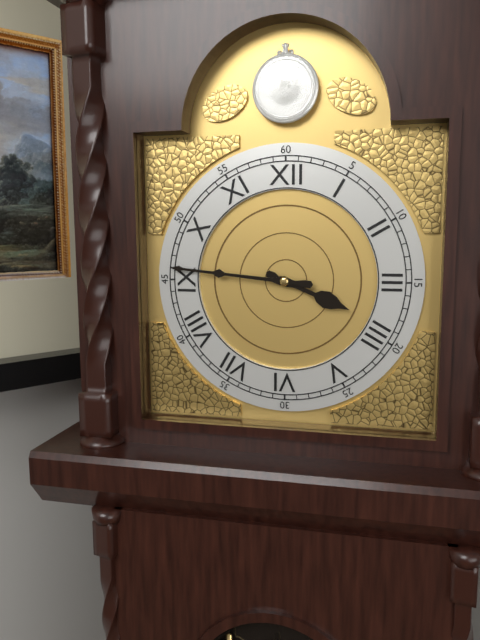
3:46
